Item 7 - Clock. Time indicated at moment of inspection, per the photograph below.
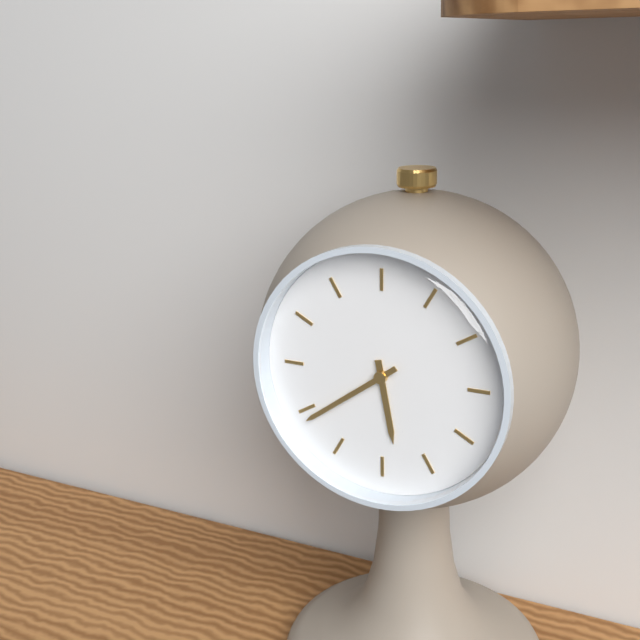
5:39
